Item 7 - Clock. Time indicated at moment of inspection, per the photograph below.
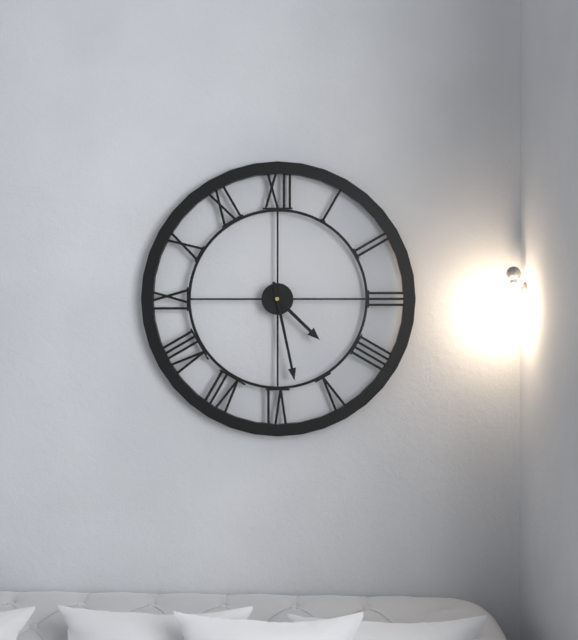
4:28
